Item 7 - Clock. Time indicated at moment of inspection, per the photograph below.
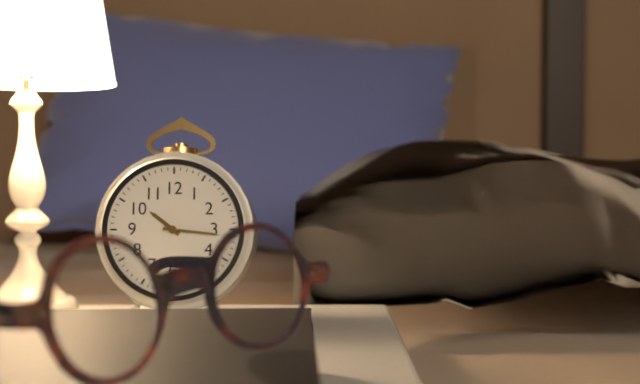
10:16
